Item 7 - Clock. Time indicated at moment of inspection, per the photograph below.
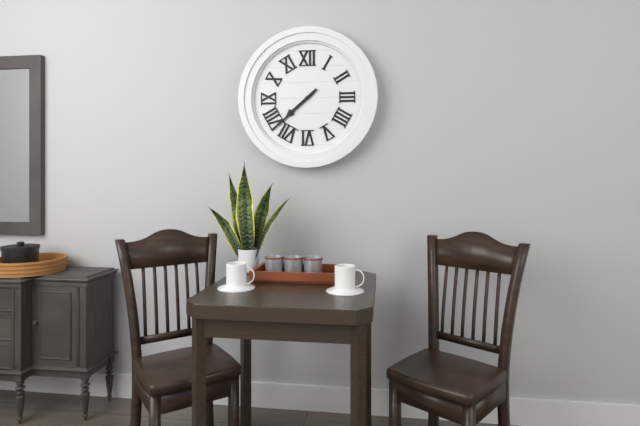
7:38
